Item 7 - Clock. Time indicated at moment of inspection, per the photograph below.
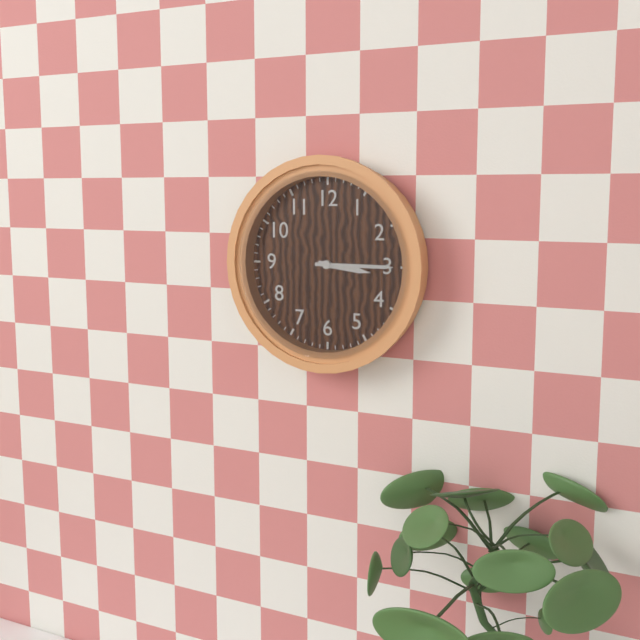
3:15
